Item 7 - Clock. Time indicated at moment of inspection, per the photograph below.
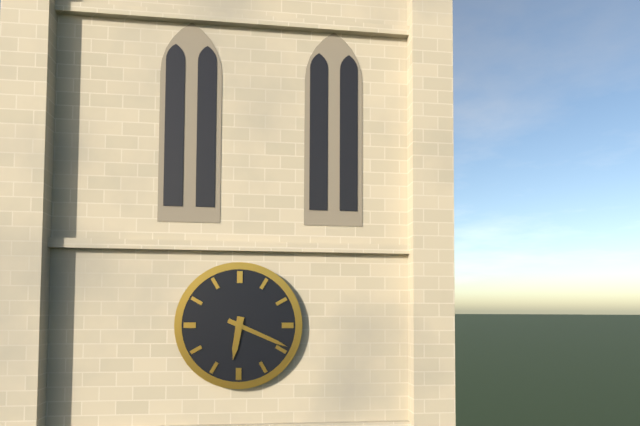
6:19
